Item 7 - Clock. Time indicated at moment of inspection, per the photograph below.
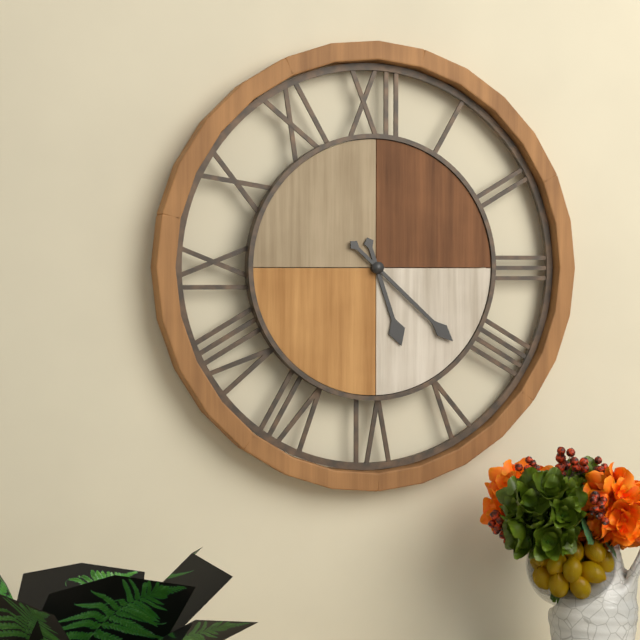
5:22
